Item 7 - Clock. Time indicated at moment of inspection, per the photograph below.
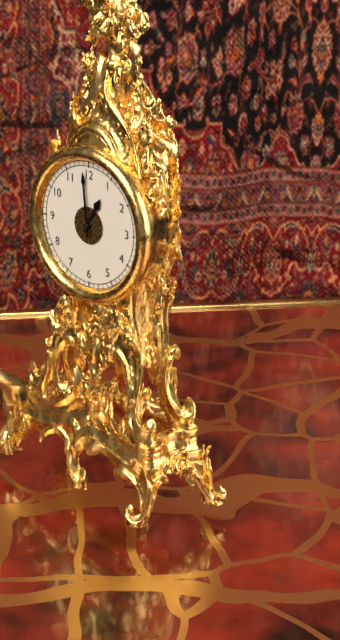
12:59
